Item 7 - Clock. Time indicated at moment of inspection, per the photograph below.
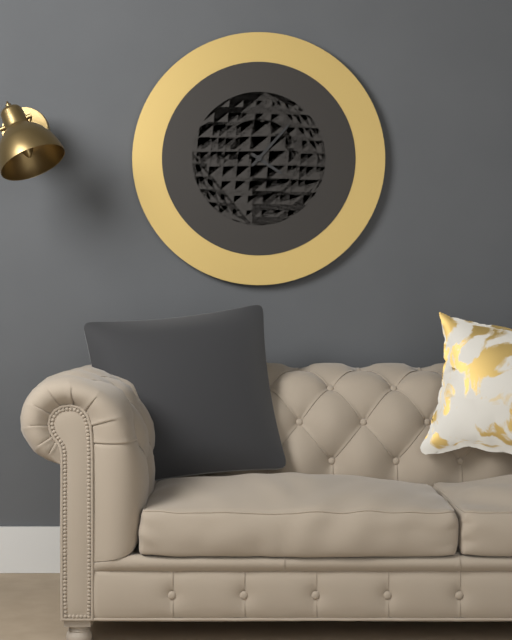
4:07
